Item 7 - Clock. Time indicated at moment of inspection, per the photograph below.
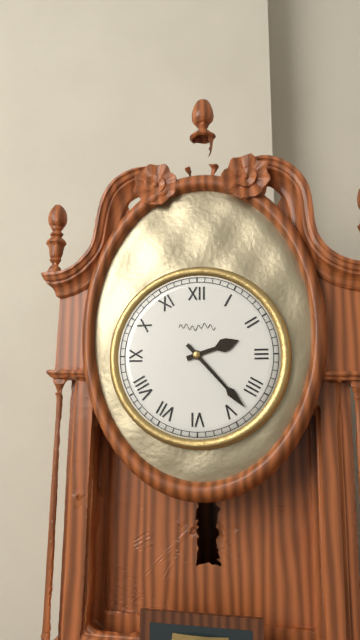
2:23
